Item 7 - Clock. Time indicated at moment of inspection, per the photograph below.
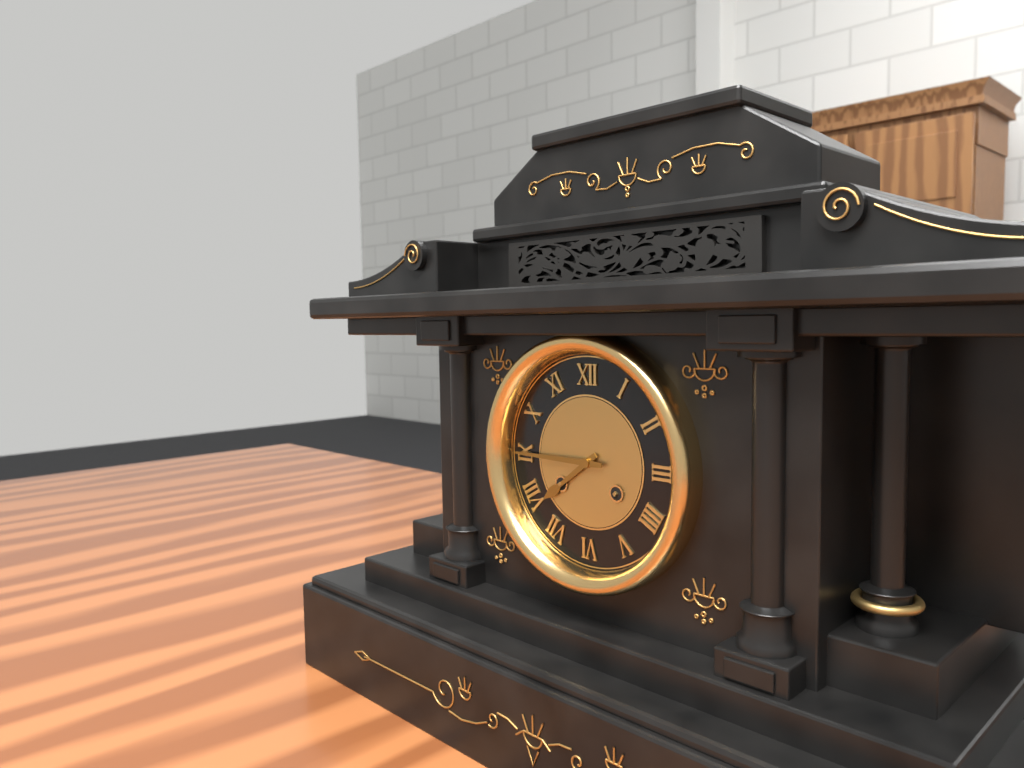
7:45
